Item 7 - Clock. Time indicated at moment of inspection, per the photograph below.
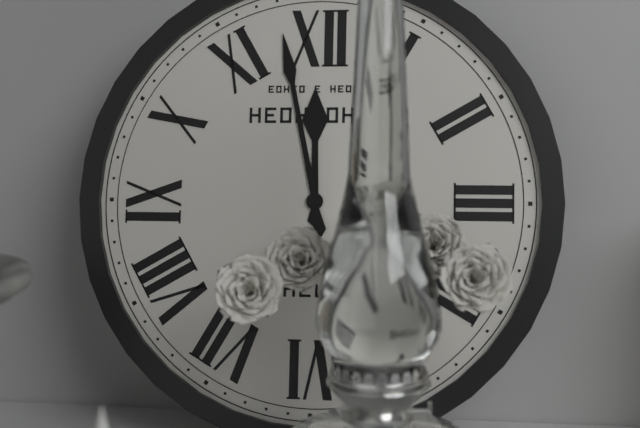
11:58
